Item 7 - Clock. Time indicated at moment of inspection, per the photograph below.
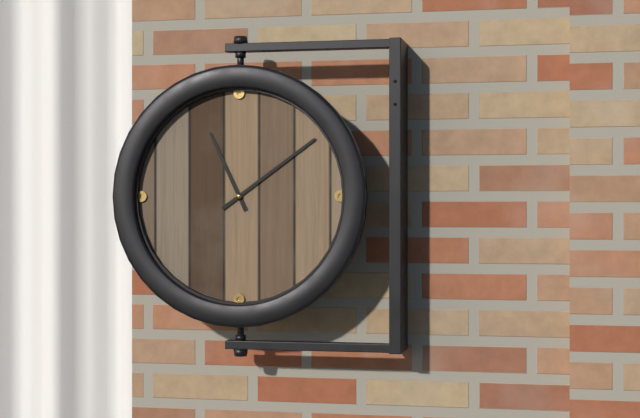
11:09
